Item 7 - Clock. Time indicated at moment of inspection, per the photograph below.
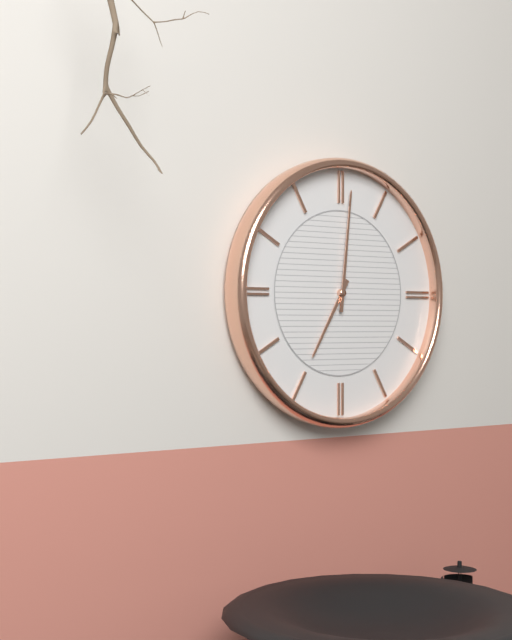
7:01
